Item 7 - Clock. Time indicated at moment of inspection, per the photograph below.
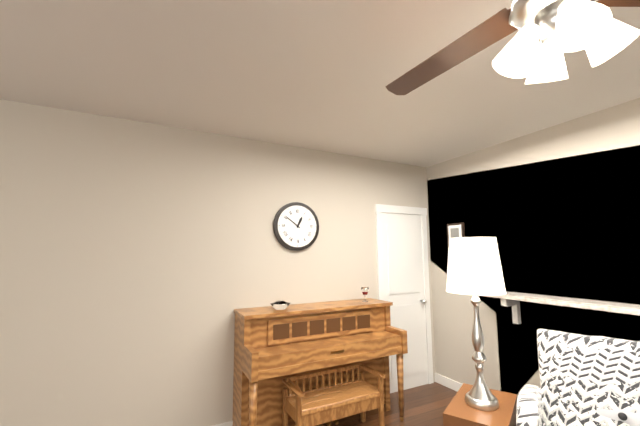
12:51
